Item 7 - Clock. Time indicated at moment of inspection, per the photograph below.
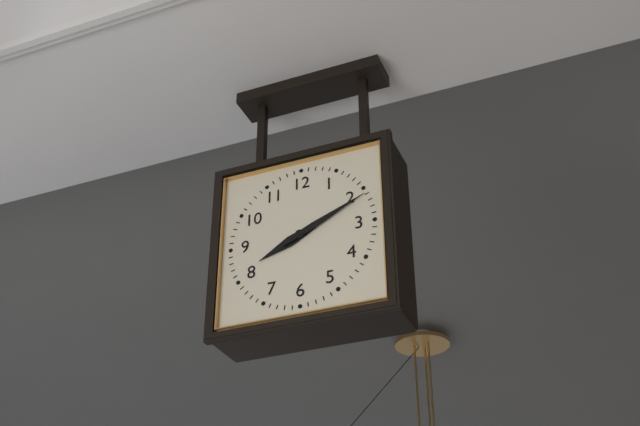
8:11
